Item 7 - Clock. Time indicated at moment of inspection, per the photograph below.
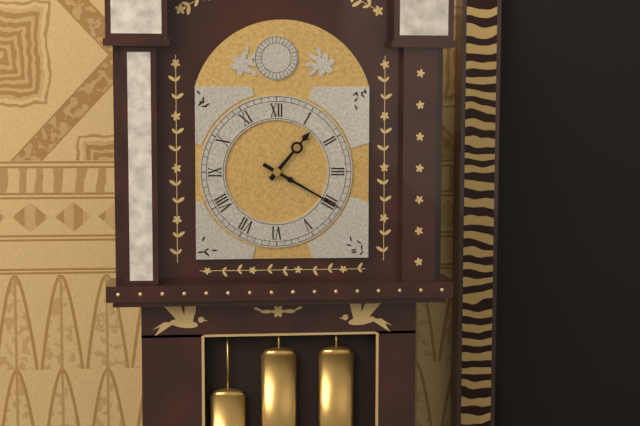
1:20
